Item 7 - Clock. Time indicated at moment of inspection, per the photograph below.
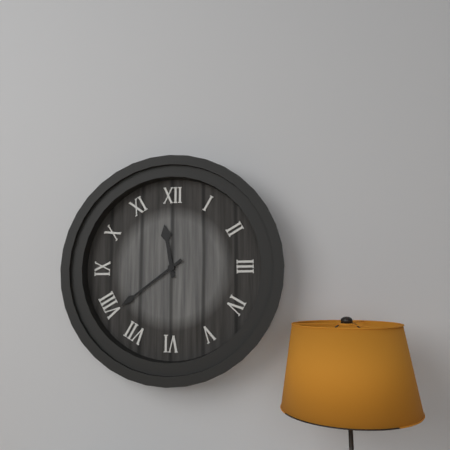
11:39
